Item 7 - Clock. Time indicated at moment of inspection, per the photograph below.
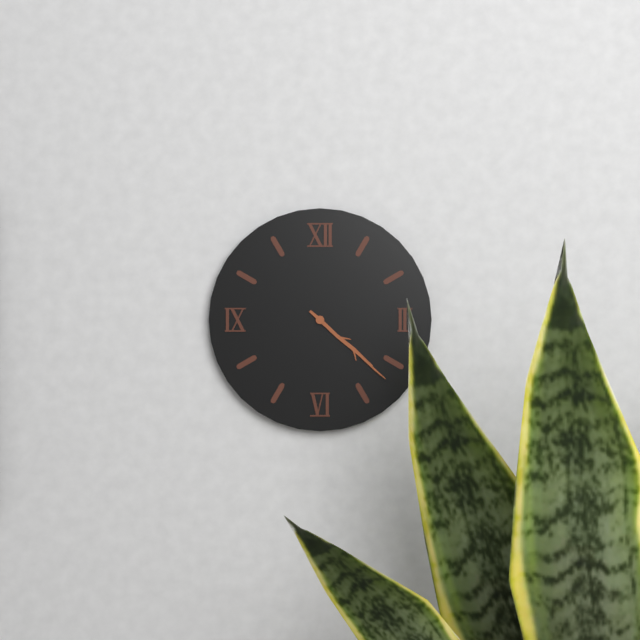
4:22
